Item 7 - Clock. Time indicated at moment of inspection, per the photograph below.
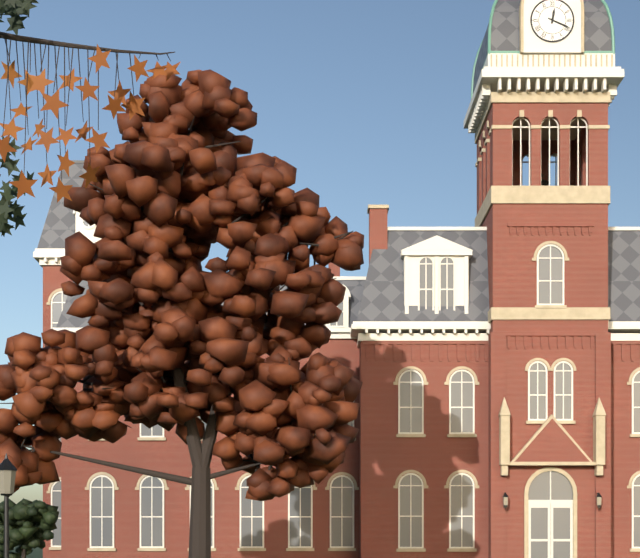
12:19
